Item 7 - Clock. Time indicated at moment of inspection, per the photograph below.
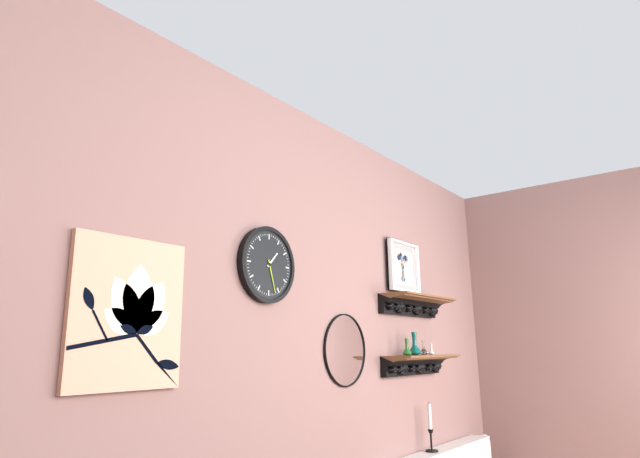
1:27
